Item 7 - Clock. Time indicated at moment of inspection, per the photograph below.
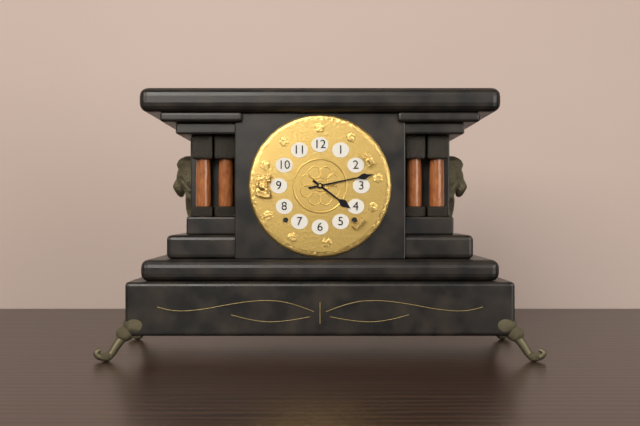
4:13
